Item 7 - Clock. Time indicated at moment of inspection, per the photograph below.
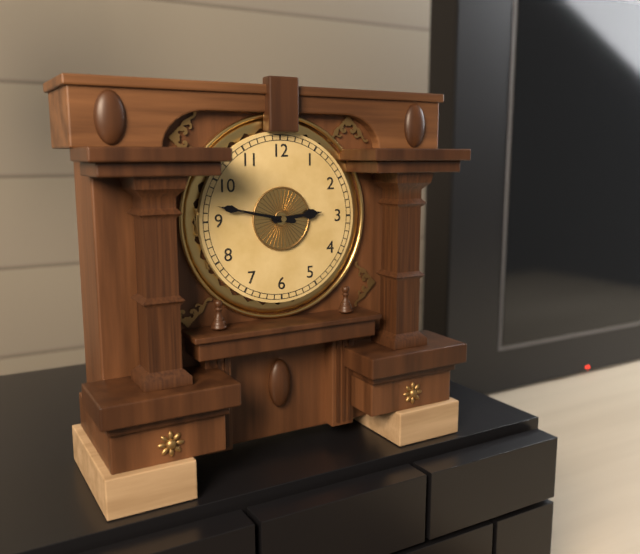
2:47
